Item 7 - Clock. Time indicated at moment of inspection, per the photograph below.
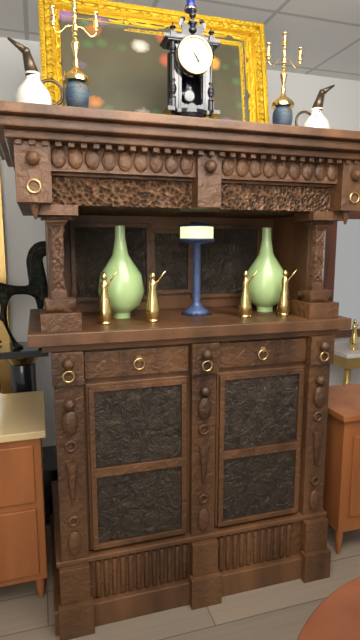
4:54
